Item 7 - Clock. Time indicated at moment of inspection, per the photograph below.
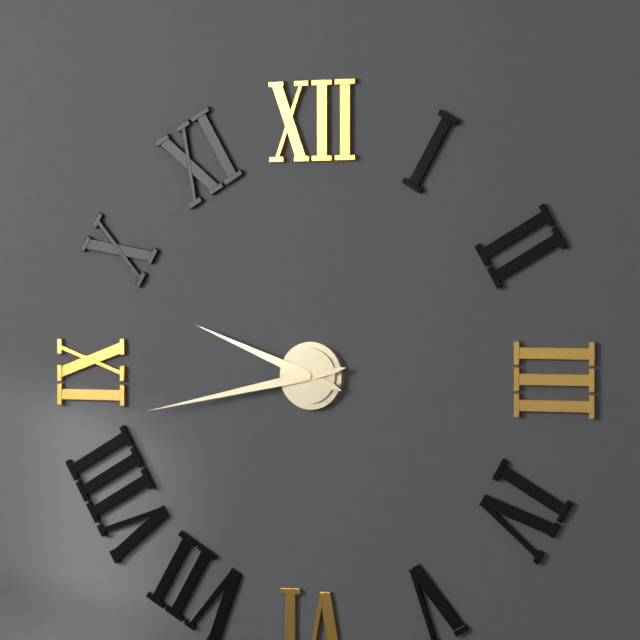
9:43
